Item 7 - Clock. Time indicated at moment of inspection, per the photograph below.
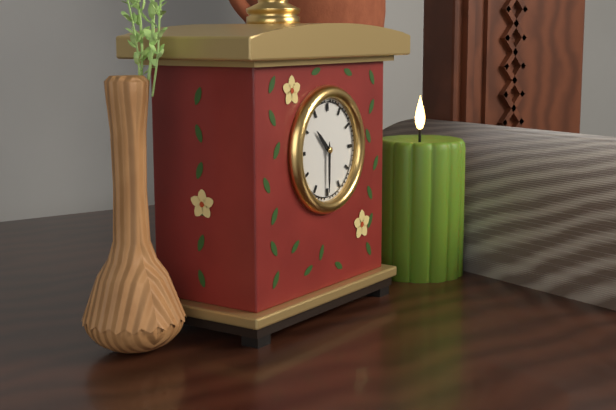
10:30
